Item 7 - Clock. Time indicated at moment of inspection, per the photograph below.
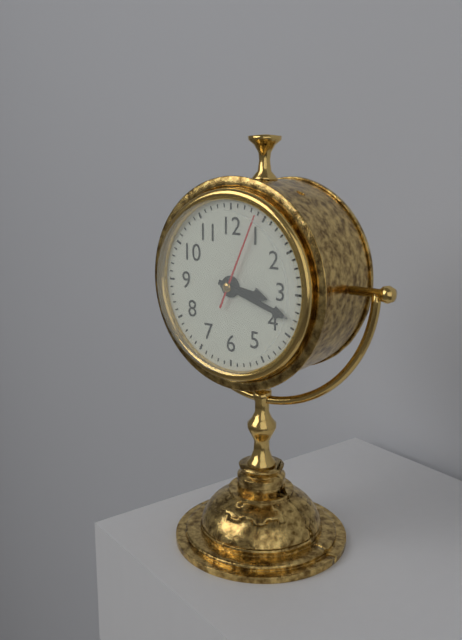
3:18:04
